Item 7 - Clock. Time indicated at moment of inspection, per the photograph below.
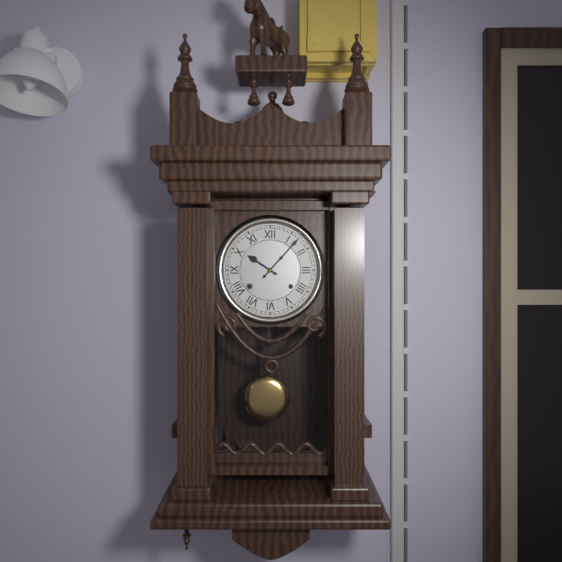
10:07
